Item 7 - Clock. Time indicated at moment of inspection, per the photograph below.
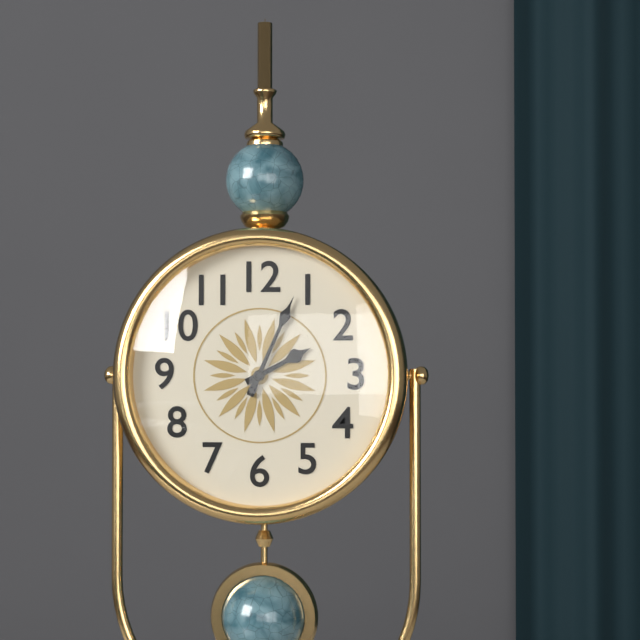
2:04
